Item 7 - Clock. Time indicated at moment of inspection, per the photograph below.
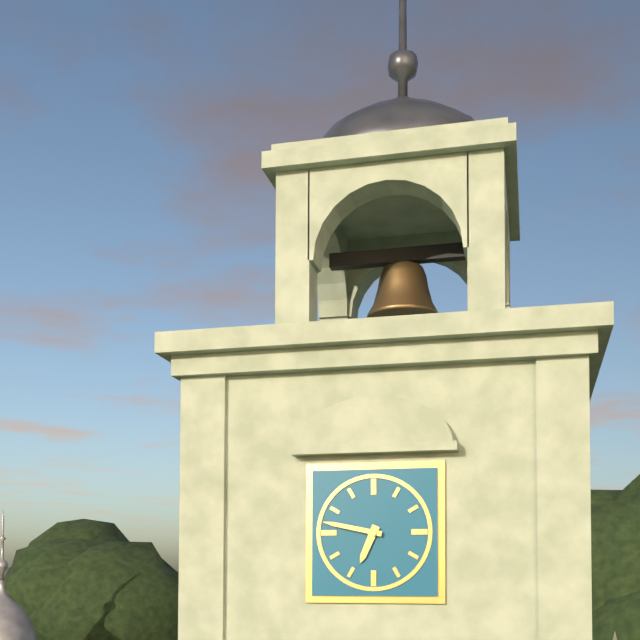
6:47
